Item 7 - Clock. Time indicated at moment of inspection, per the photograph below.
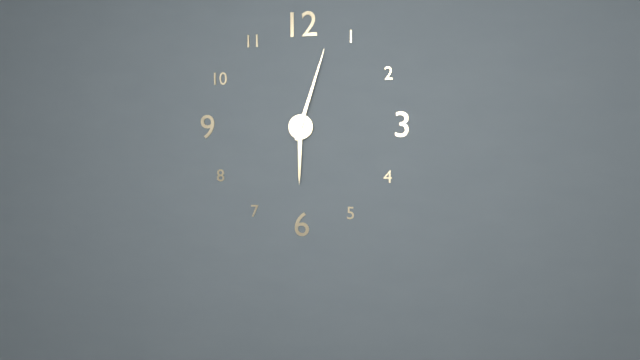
6:03
